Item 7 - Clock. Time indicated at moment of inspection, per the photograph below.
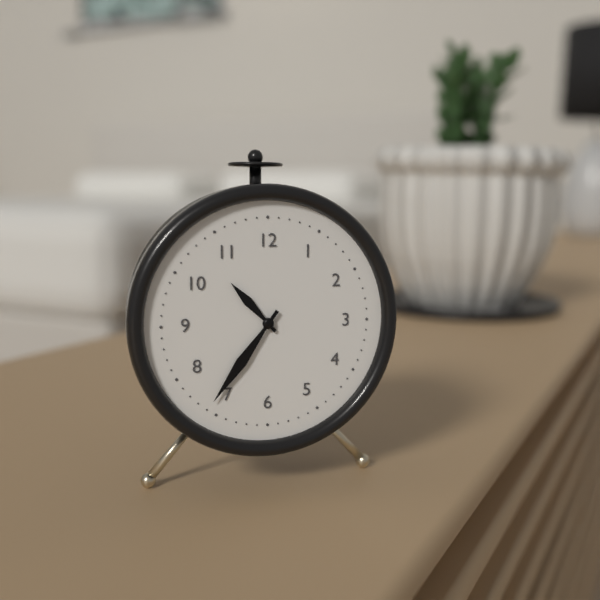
10:36
